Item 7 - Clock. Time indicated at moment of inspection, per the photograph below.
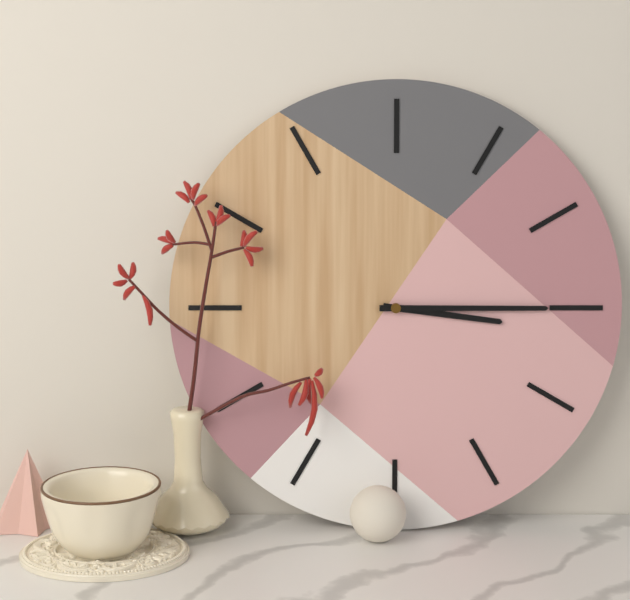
3:15
